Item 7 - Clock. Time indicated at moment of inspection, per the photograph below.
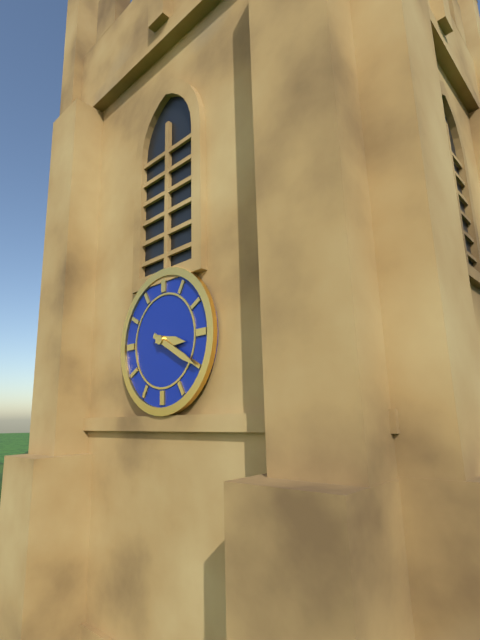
3:20
